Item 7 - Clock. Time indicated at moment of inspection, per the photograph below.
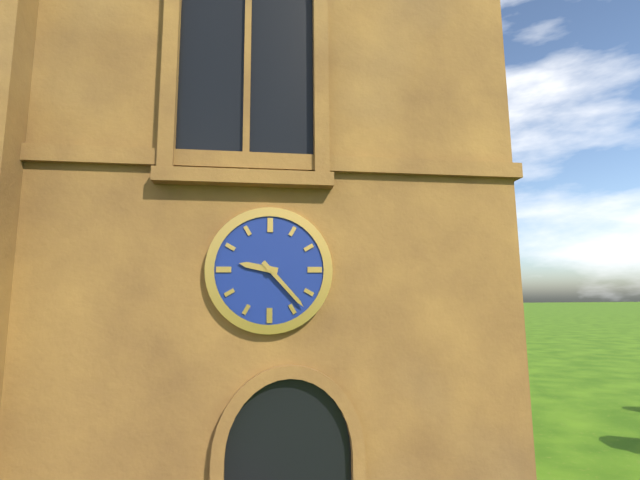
9:23
